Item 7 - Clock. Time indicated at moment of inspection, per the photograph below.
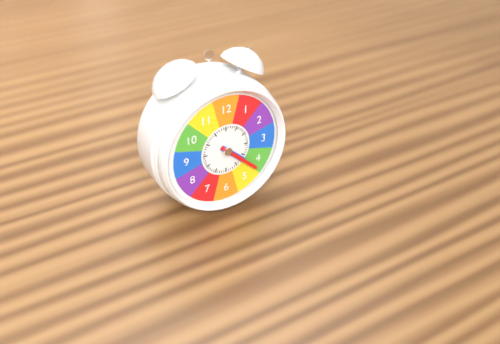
4:22
